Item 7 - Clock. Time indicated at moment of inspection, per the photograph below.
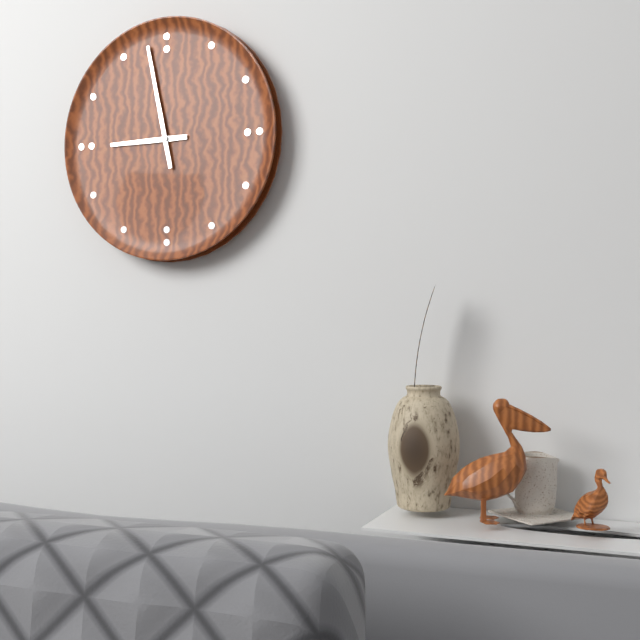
8:58
